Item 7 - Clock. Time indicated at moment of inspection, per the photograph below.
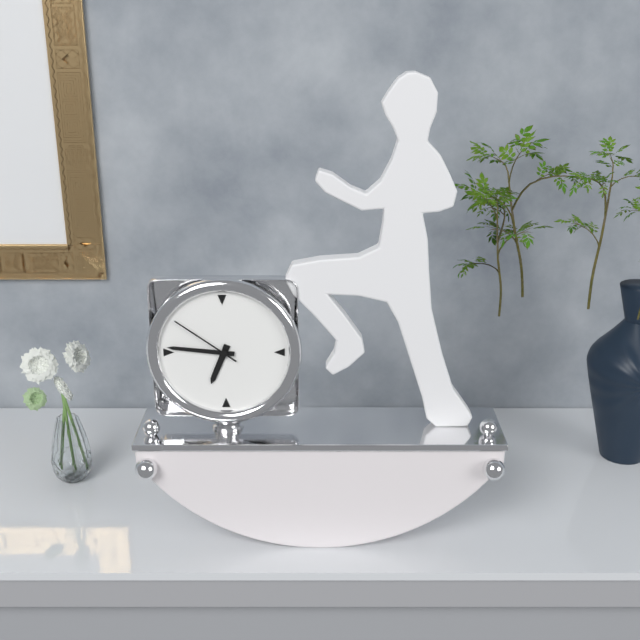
6:46:51
